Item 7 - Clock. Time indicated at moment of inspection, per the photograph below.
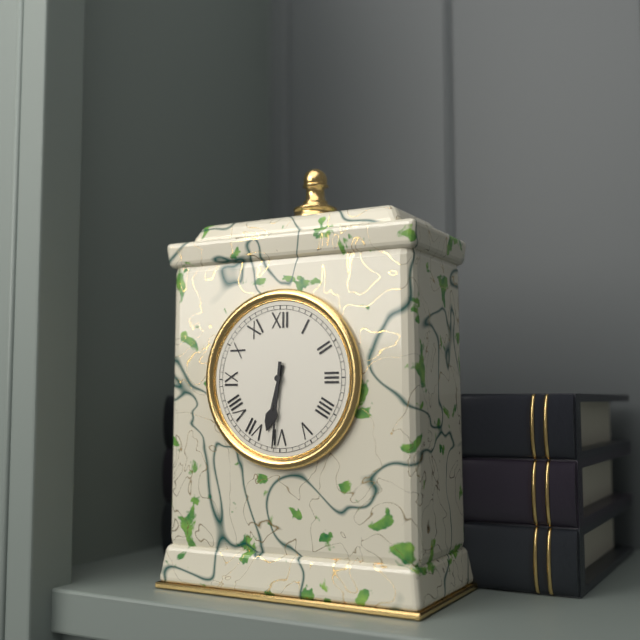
6:31
